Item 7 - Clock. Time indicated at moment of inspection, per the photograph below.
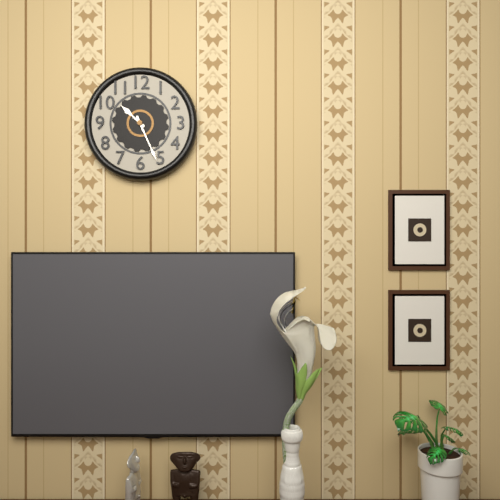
10:26
